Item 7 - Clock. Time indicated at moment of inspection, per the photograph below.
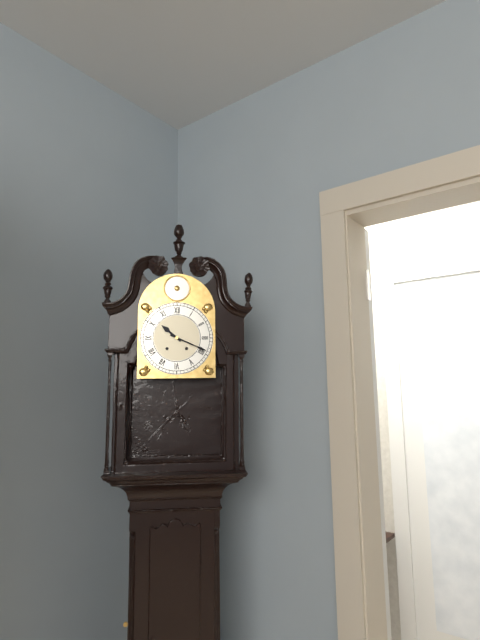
10:19
